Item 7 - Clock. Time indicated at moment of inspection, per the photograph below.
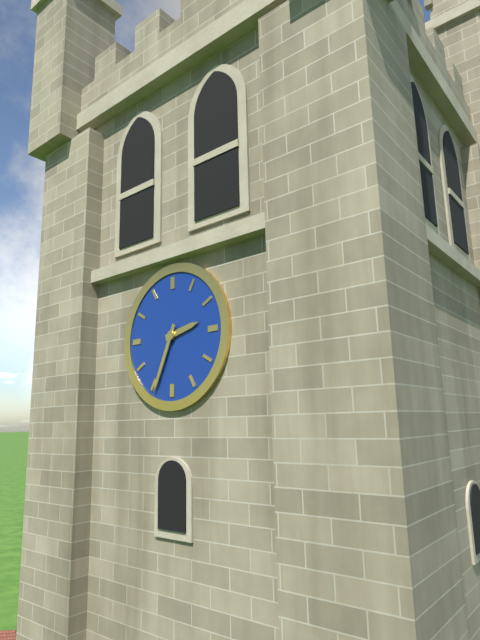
2:34
